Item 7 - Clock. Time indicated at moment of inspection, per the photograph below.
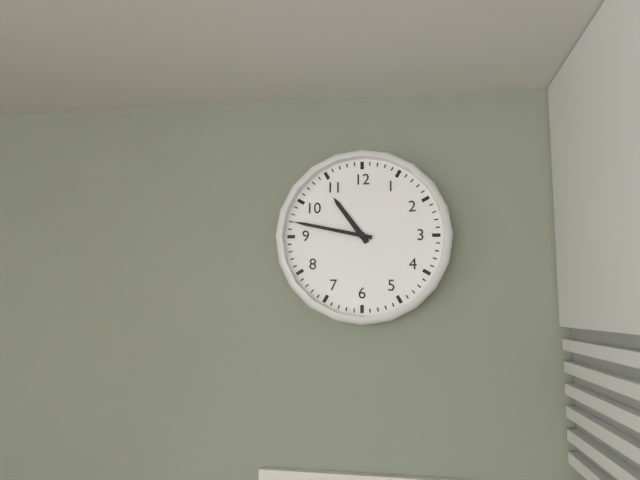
10:47
